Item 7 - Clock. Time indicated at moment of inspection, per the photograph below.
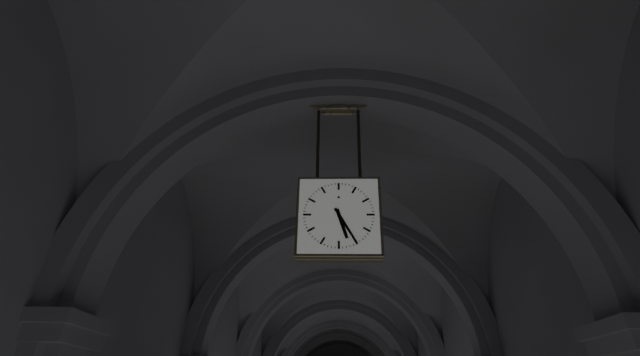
5:25
